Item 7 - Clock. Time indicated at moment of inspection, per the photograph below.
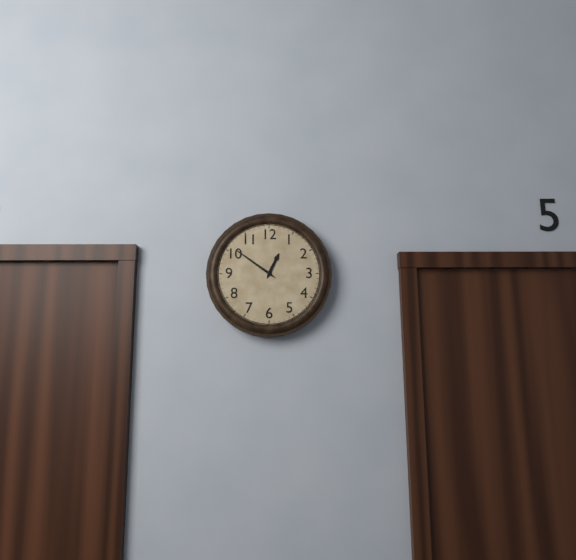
12:51
